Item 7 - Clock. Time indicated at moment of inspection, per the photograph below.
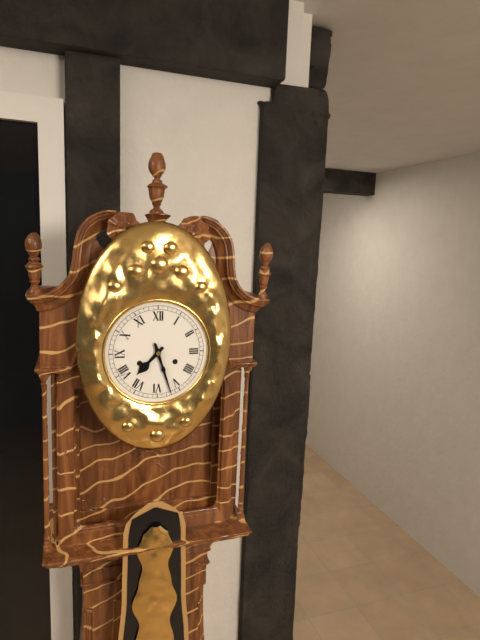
7:27
